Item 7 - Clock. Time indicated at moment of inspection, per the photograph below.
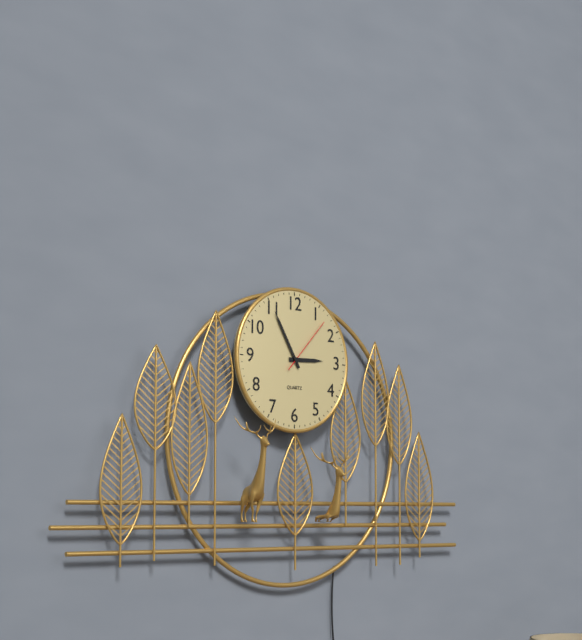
2:55:07
